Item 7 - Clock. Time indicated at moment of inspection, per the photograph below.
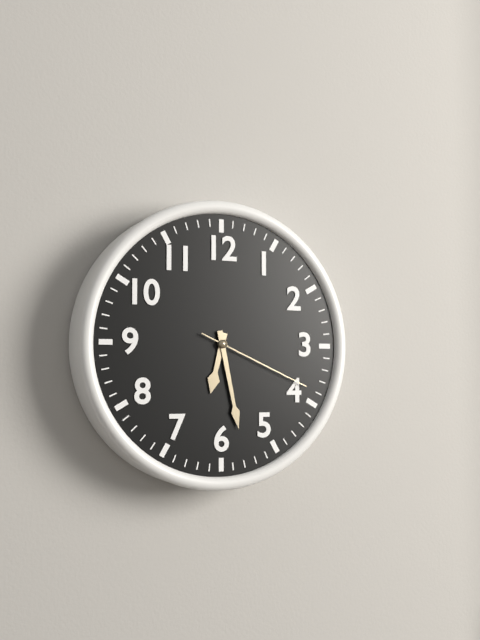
6:28:19
